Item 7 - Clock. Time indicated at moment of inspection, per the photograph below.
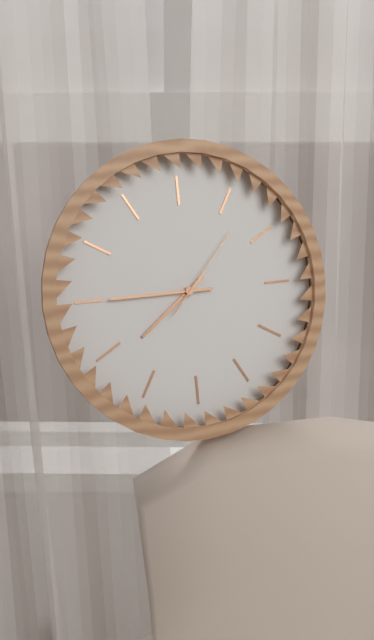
7:45:07
